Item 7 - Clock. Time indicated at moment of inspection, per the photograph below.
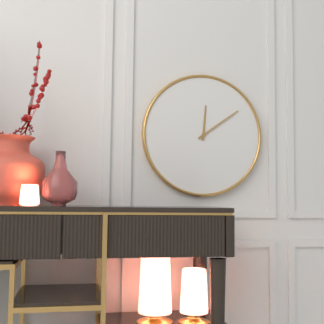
12:09
